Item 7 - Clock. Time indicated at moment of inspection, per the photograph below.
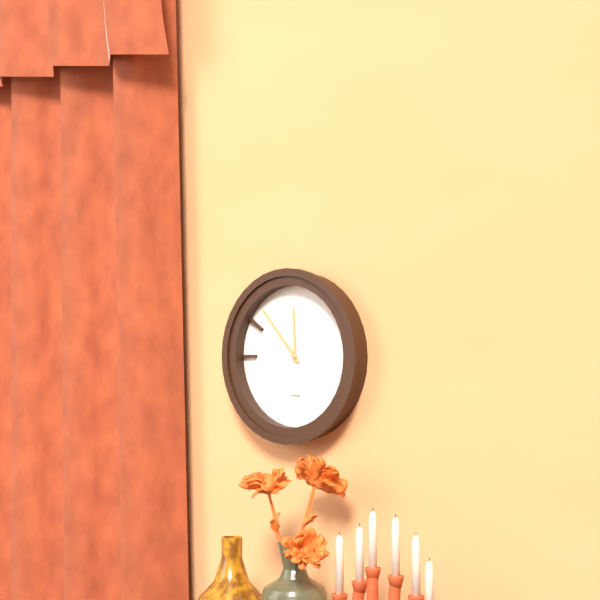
11:53
